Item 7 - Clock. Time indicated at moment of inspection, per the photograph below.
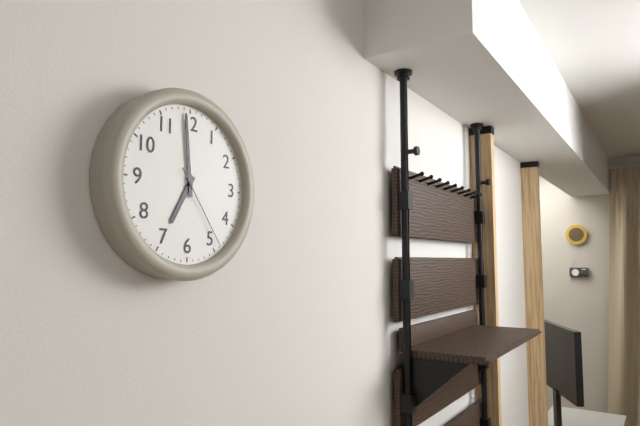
6:59:24
